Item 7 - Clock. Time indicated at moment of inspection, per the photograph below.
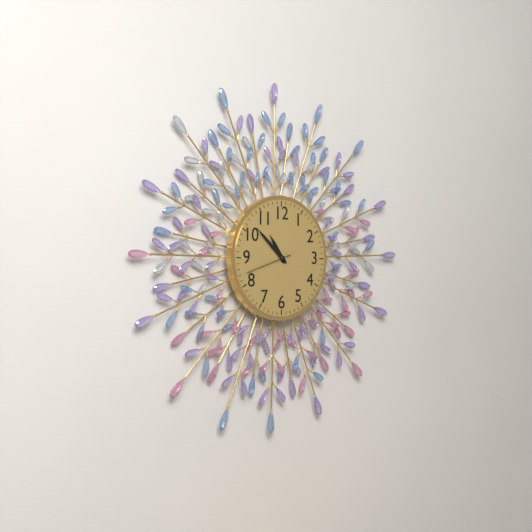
10:52
